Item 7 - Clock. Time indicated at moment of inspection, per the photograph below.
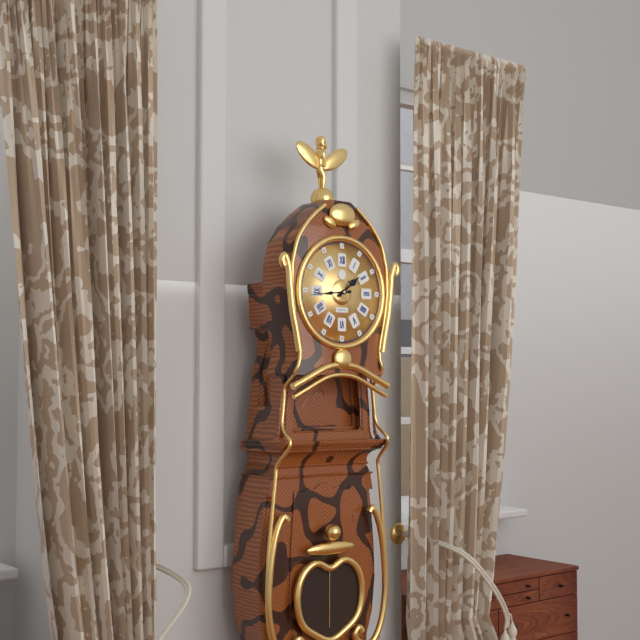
1:44
